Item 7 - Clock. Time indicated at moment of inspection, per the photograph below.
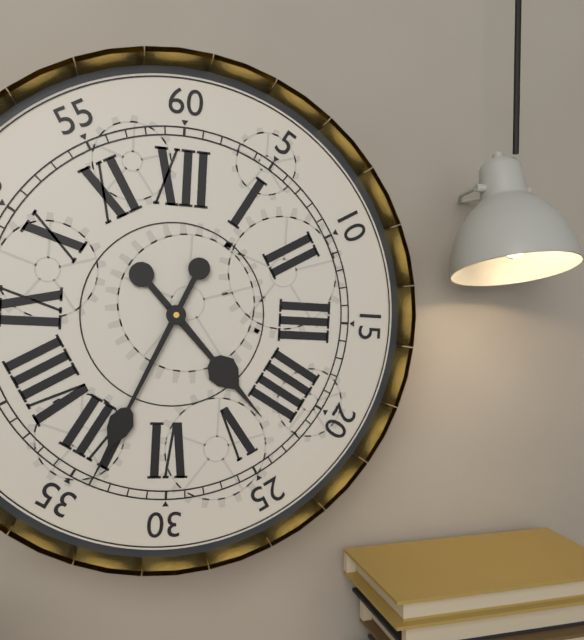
4:34
